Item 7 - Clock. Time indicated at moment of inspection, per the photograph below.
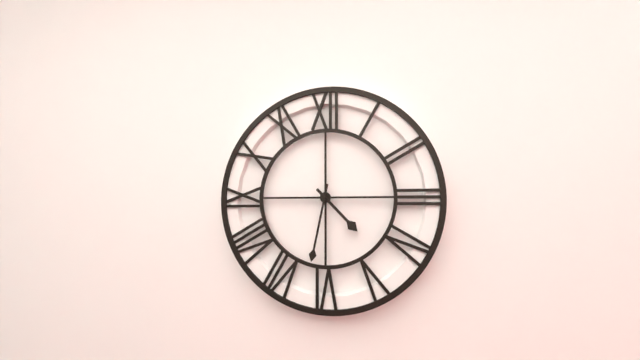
4:32
